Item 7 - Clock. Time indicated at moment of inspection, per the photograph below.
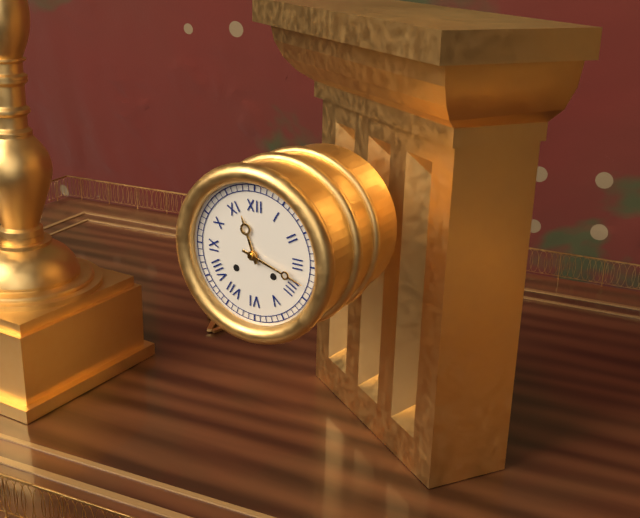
11:18
